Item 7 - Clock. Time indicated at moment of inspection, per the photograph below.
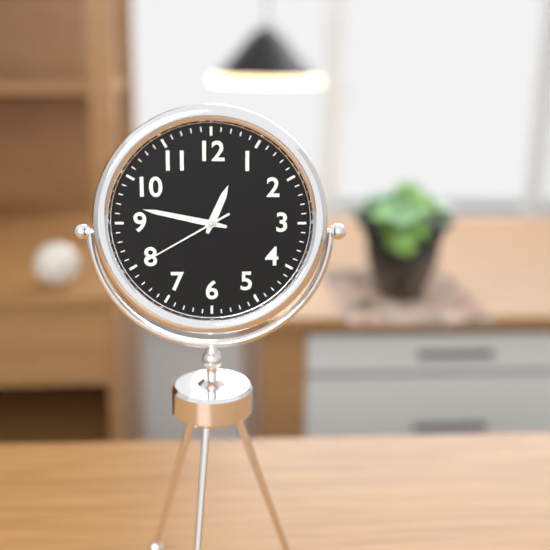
12:47:40
